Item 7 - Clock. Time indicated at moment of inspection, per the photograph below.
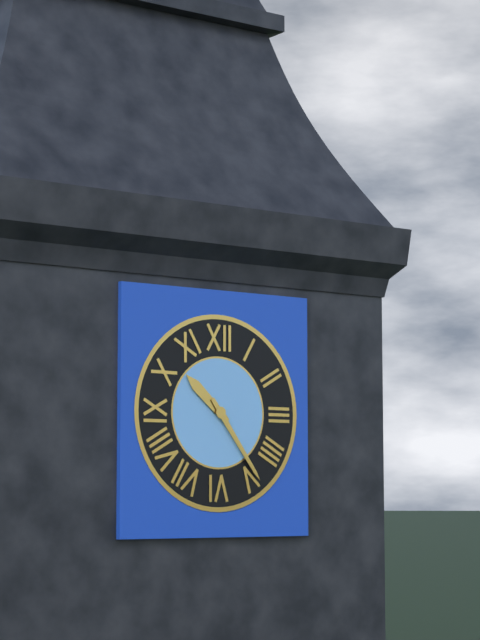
10:24
